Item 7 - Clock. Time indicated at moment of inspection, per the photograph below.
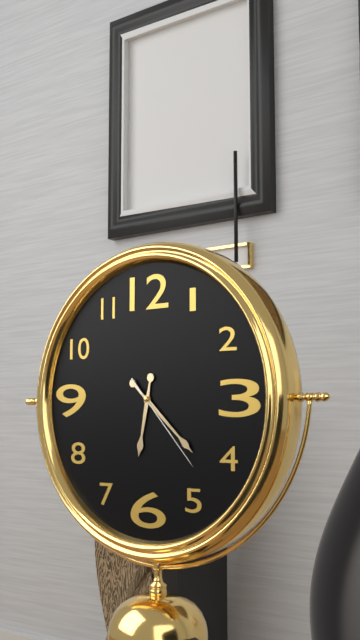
6:22:23
